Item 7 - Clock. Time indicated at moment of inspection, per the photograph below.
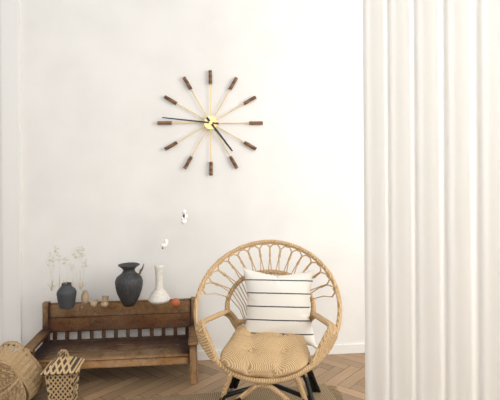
4:46
